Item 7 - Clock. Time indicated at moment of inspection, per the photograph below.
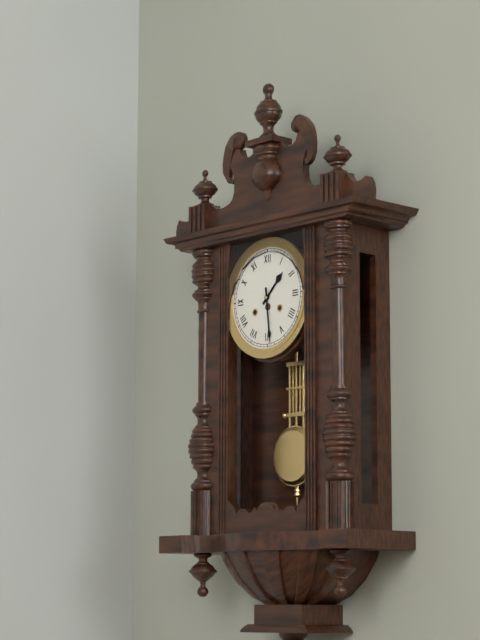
1:29
